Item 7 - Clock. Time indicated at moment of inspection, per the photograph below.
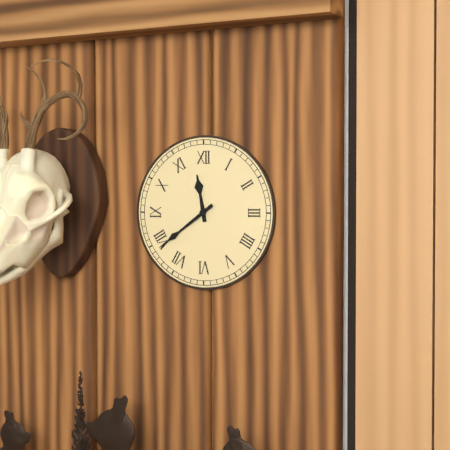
11:39
